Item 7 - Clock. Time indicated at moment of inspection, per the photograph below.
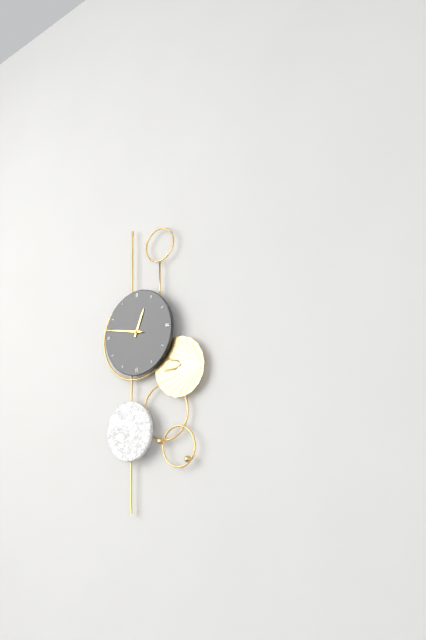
12:47
